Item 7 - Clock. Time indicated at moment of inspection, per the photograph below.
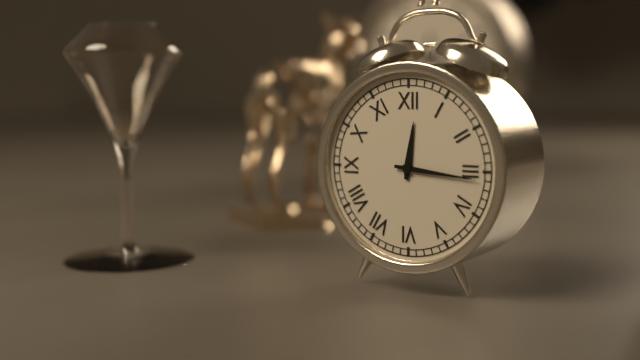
12:16
